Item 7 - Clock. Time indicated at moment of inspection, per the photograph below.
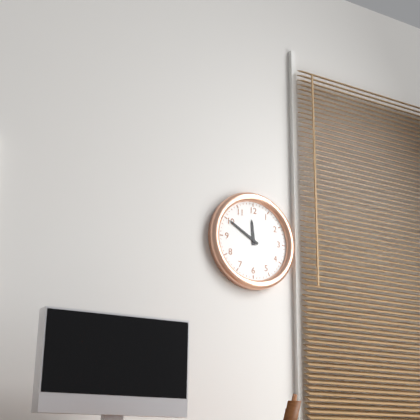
11:50
